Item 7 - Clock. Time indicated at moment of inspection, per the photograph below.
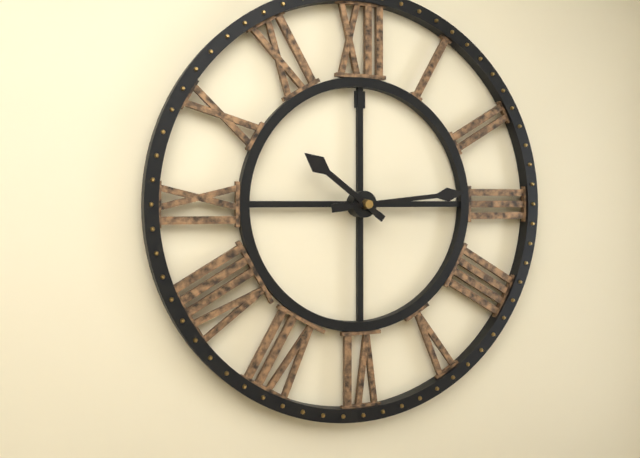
10:14
